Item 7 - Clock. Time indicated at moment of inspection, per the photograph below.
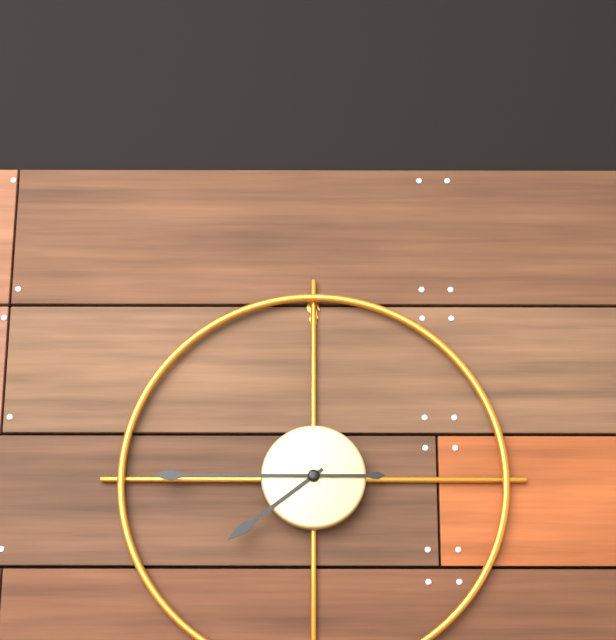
7:45
